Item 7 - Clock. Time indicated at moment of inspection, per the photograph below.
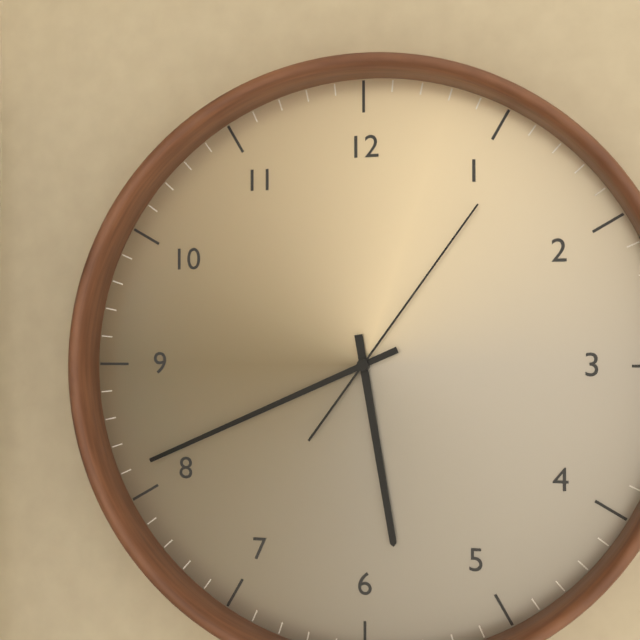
5:41:06
